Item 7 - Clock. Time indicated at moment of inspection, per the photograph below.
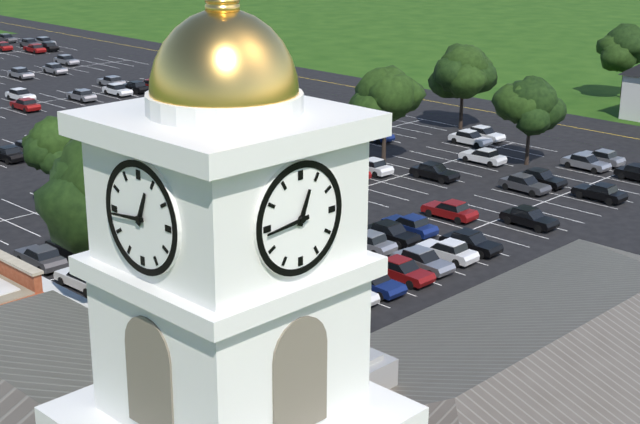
12:44
